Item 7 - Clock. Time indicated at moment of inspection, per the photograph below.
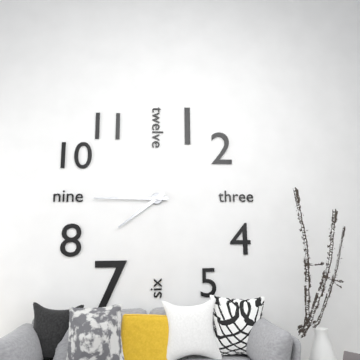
7:45
